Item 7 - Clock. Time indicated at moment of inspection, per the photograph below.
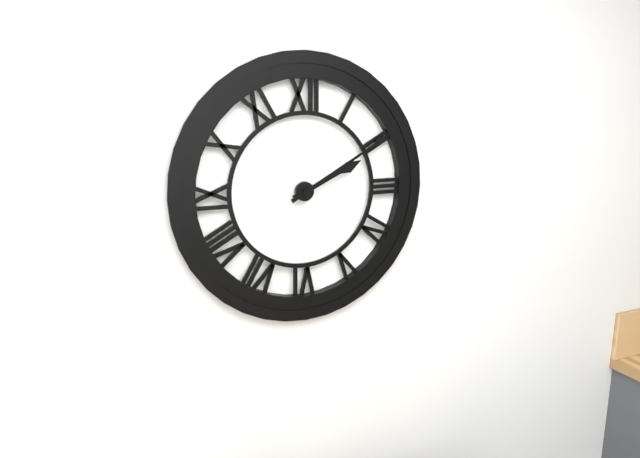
2:10
